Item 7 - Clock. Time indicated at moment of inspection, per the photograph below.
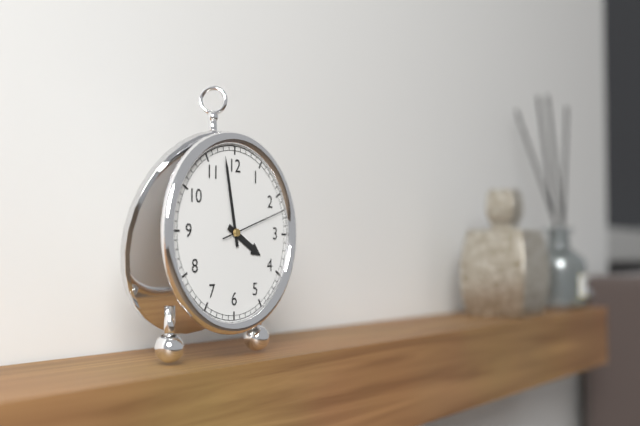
3:58:12
